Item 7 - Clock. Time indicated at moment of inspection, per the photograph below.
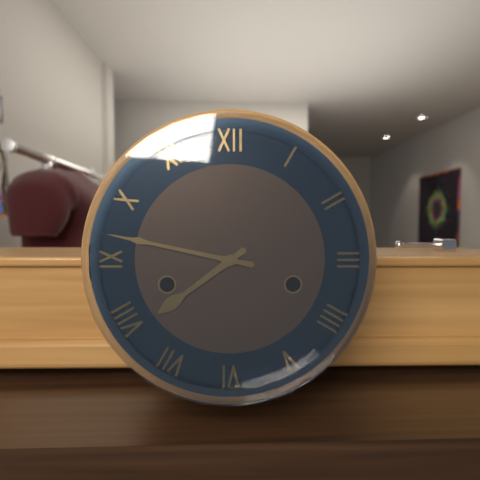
7:47
